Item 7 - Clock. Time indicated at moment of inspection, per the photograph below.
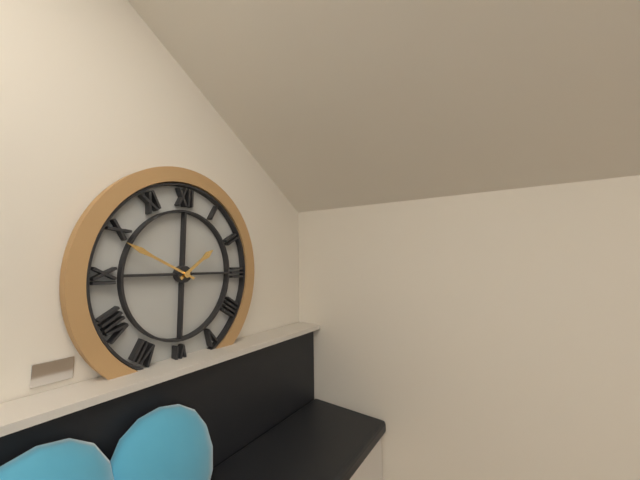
1:49
